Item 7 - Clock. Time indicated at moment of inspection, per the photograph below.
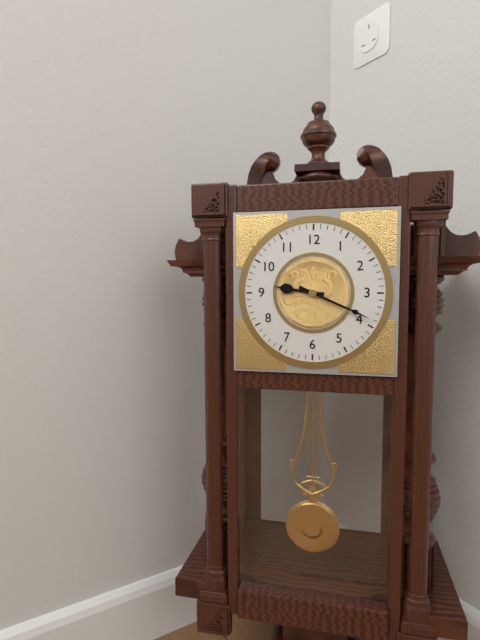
9:19
